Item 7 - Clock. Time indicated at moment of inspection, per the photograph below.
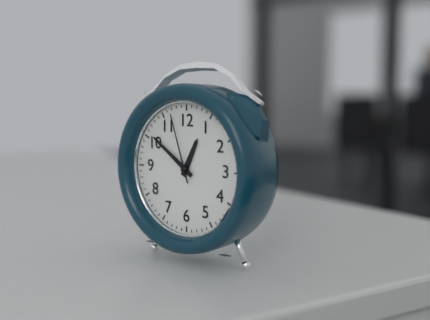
12:51:57
